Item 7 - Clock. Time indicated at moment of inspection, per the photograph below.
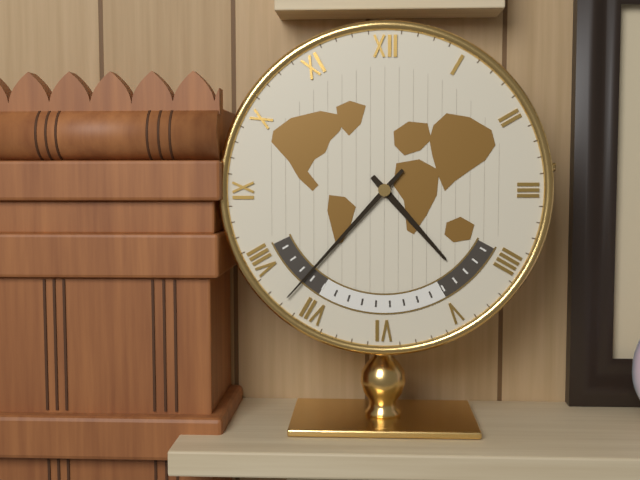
4:37
